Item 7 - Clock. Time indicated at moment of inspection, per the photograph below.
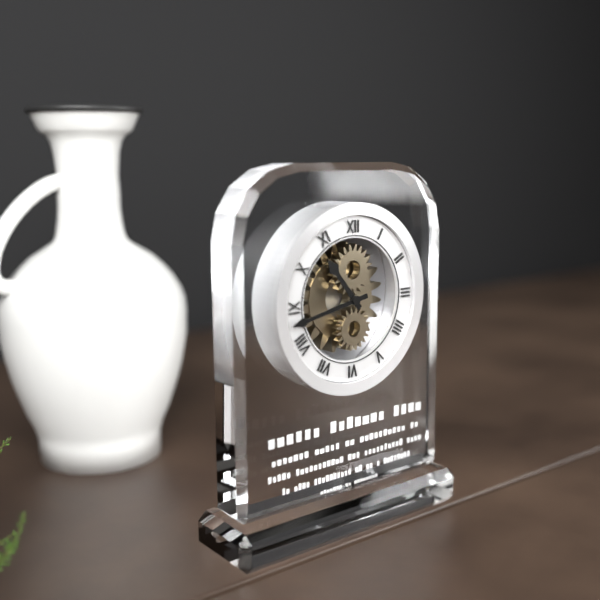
10:43
